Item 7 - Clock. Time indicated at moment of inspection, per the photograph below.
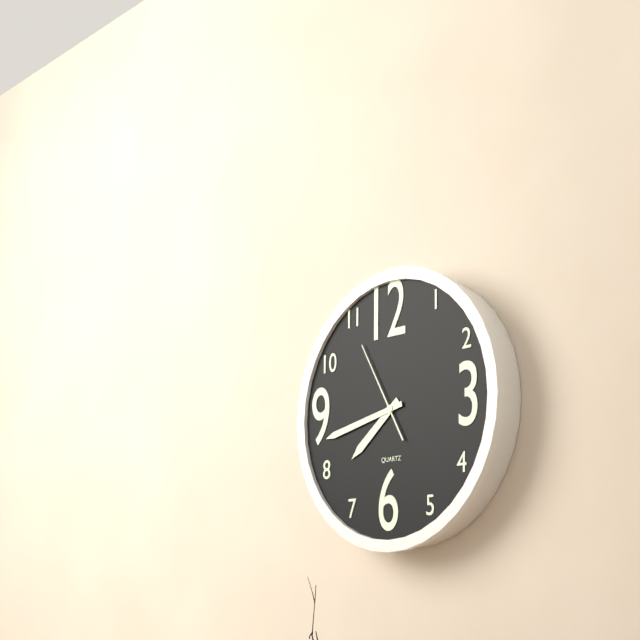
7:43:55
